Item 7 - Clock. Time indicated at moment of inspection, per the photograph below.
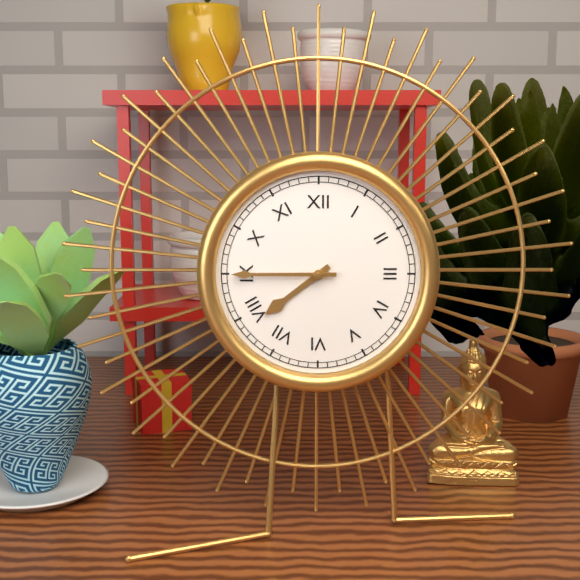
7:45
